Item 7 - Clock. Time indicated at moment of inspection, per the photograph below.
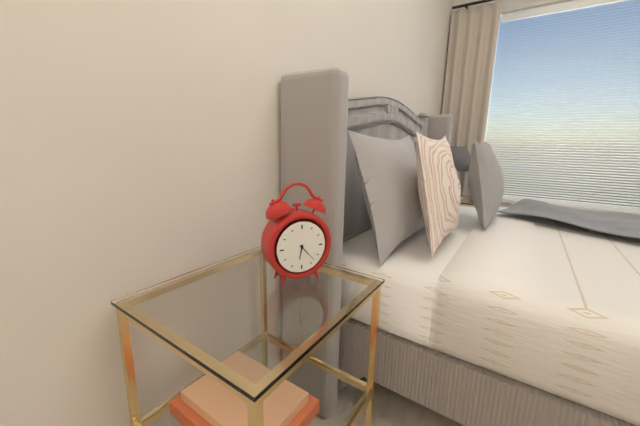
6:23
